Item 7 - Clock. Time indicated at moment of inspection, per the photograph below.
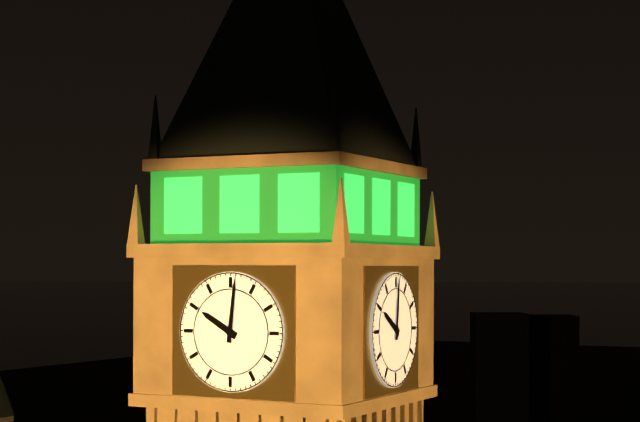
10:01
